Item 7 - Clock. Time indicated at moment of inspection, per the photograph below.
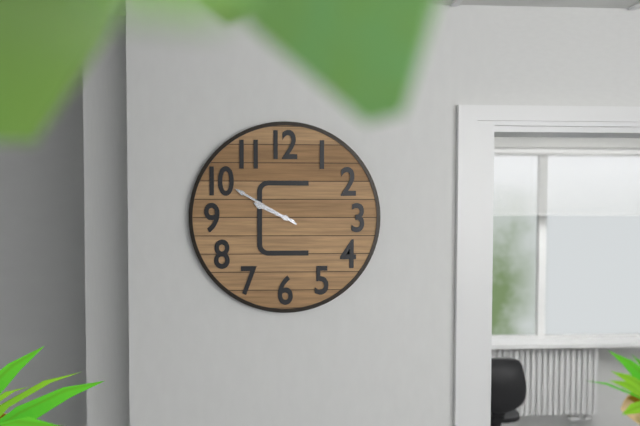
9:50
